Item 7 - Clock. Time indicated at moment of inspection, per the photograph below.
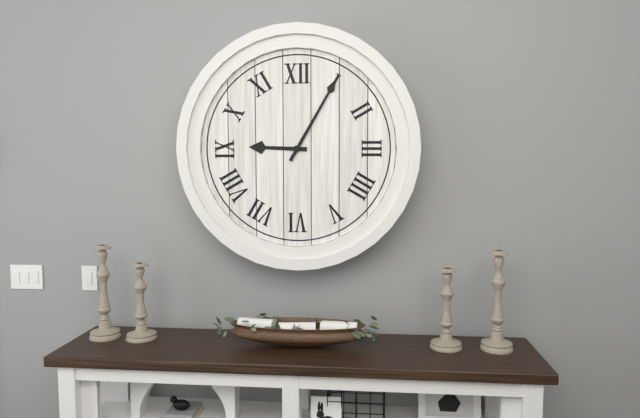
9:05
